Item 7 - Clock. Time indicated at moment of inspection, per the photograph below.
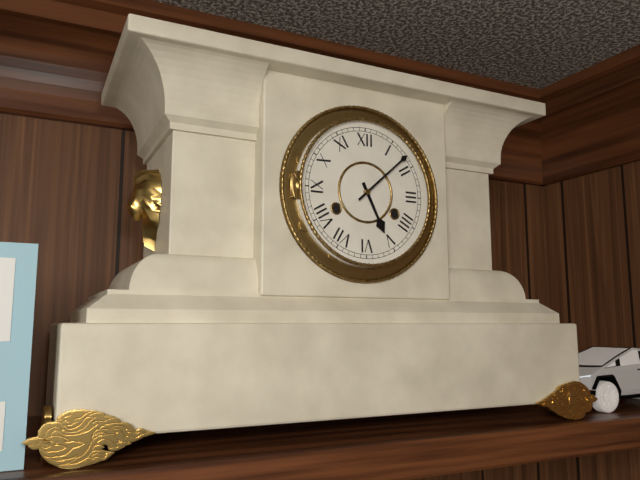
5:08
